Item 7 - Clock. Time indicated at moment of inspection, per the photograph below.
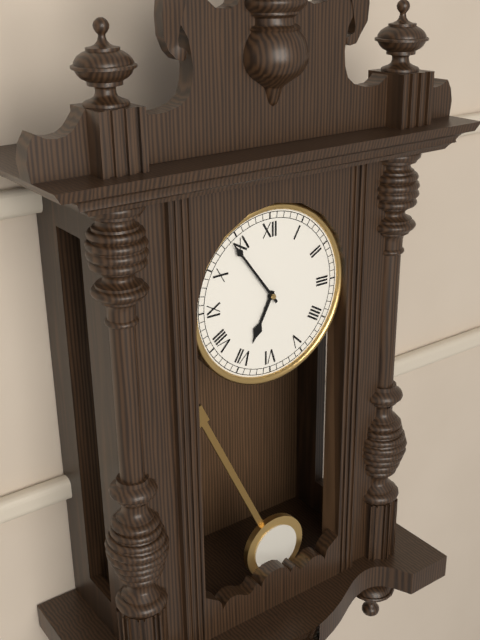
6:54
